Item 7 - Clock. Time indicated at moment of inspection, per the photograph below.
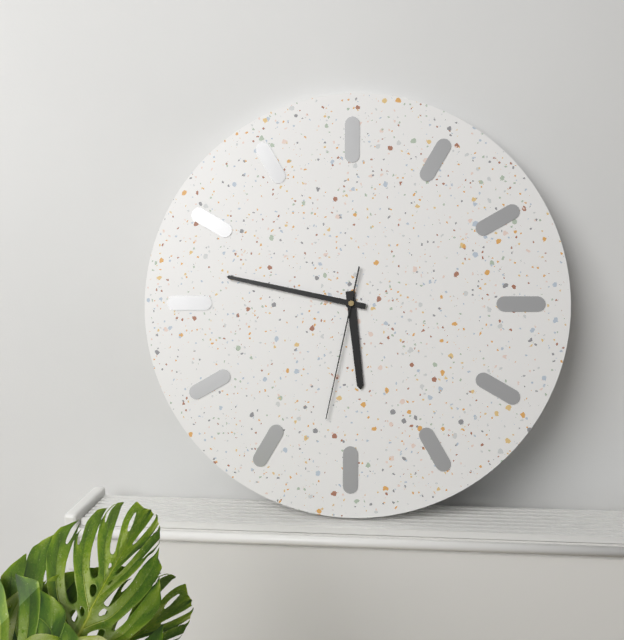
5:47:32
